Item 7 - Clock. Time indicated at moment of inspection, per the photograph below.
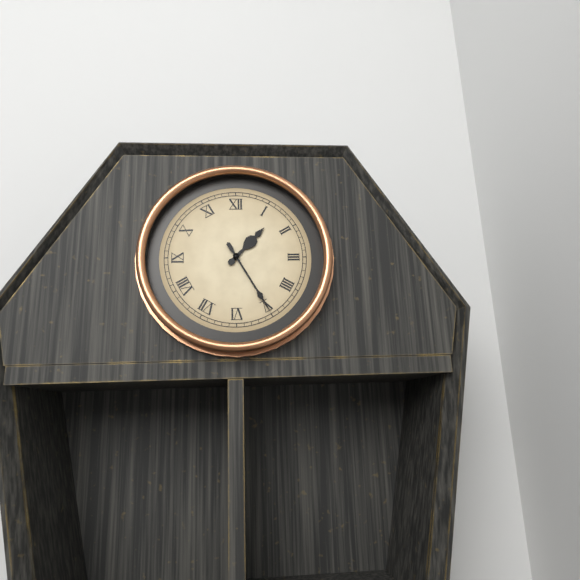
1:25
